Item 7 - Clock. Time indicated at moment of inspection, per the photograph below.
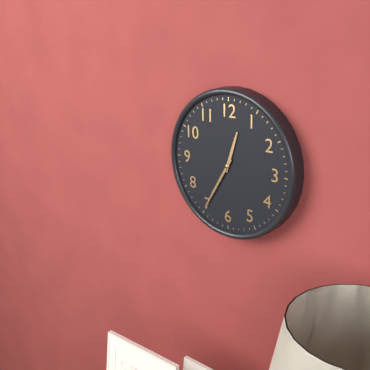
12:35
